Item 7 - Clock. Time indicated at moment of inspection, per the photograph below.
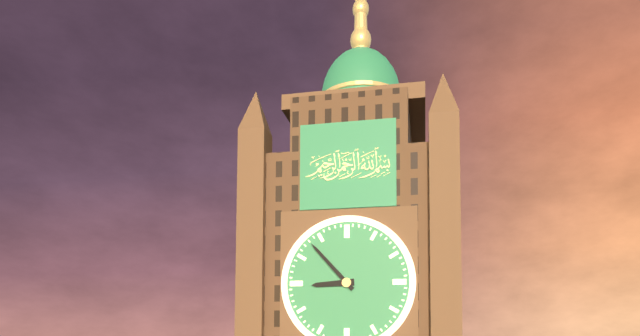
8:53
